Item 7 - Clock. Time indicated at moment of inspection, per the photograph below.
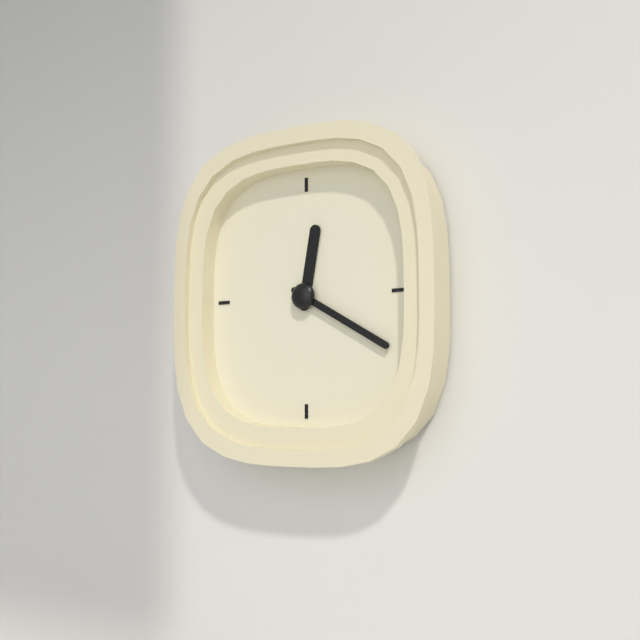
12:20
